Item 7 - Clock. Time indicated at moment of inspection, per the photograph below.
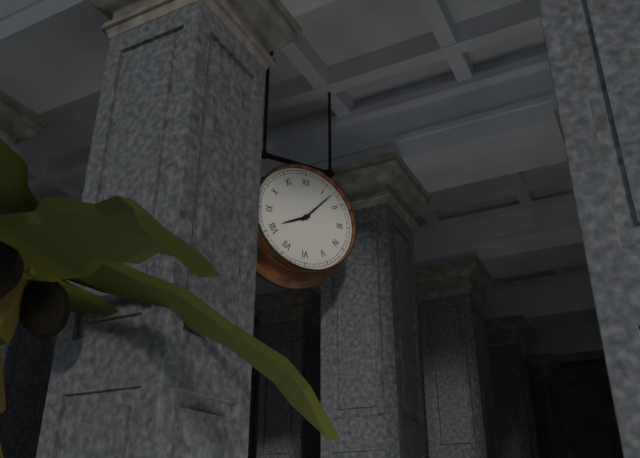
8:07
